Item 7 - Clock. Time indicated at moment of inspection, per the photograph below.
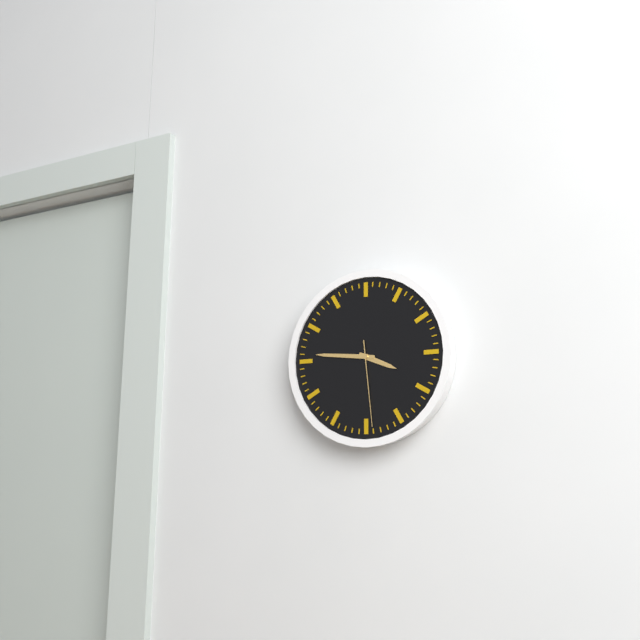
3:46:29
